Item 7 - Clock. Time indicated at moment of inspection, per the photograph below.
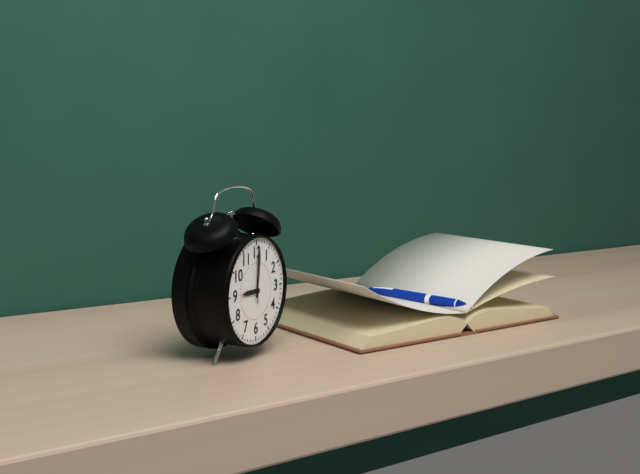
9:01:00
